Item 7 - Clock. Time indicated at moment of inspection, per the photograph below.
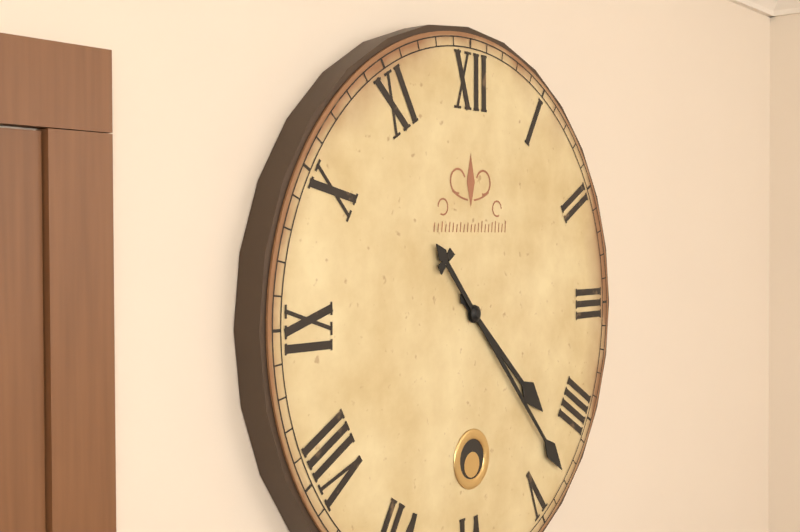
4:23
